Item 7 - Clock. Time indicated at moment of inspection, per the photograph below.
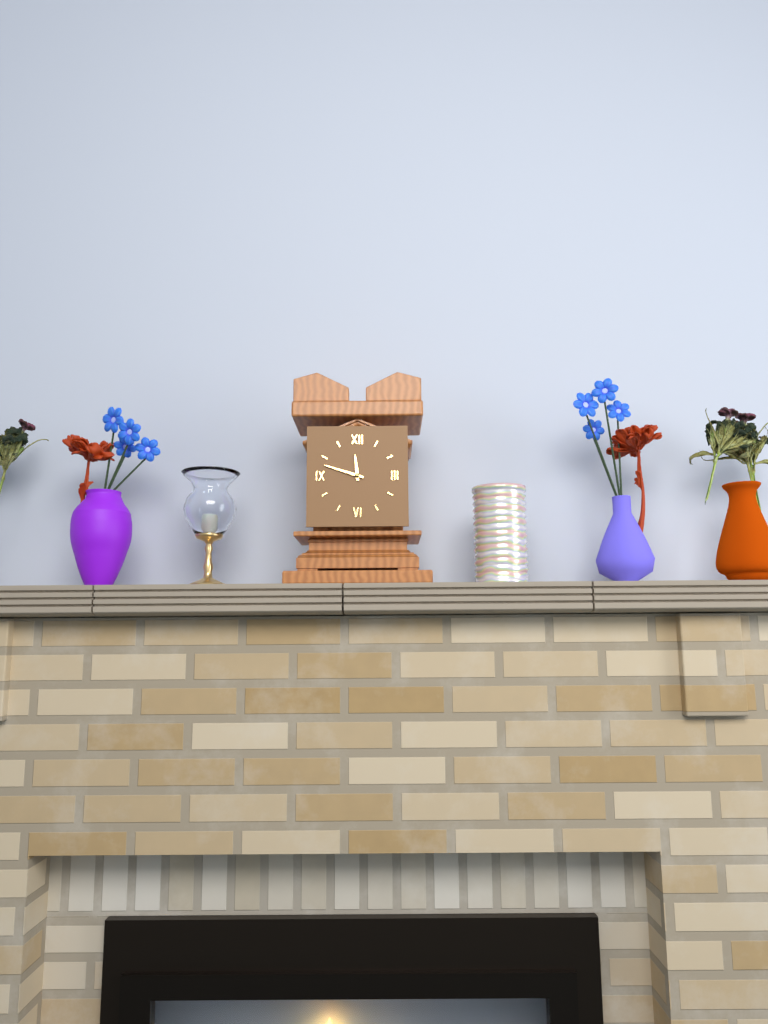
11:48
